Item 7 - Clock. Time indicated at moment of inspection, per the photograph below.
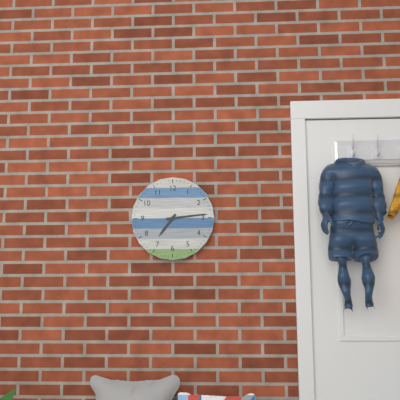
7:14
